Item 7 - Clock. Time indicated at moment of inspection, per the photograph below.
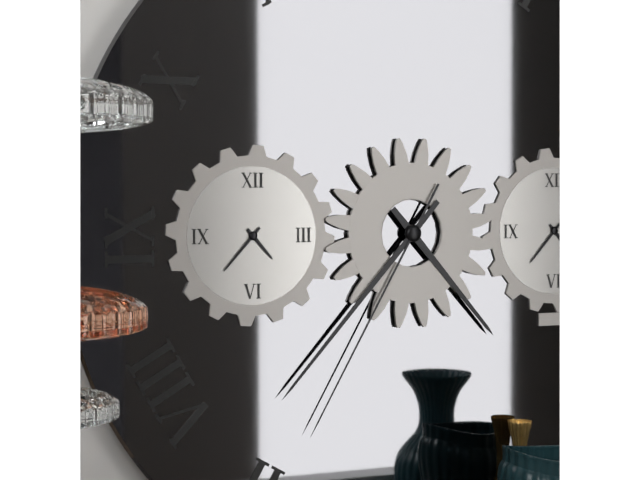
4:37:35
